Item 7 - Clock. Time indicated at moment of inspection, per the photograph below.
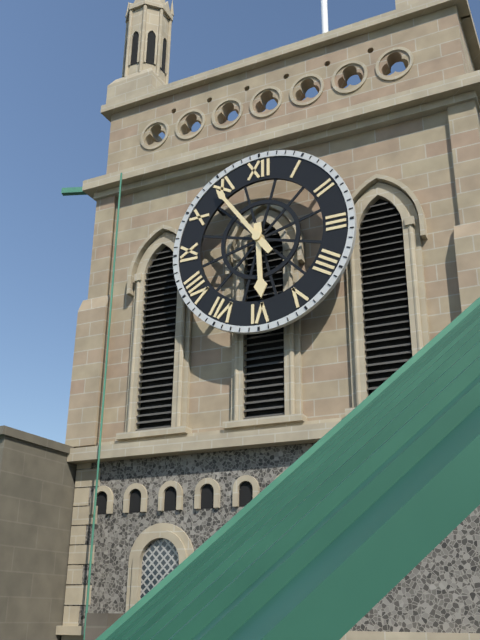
5:54
